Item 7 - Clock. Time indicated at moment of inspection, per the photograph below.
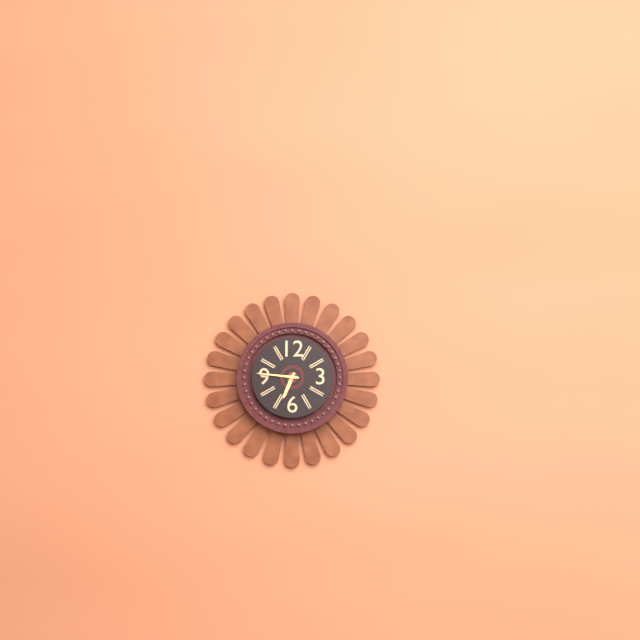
6:46
